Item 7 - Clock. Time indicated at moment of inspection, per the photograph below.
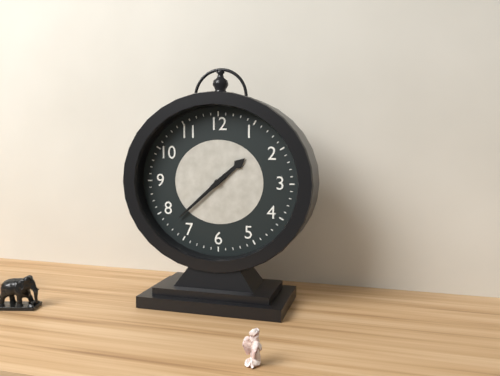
1:38
